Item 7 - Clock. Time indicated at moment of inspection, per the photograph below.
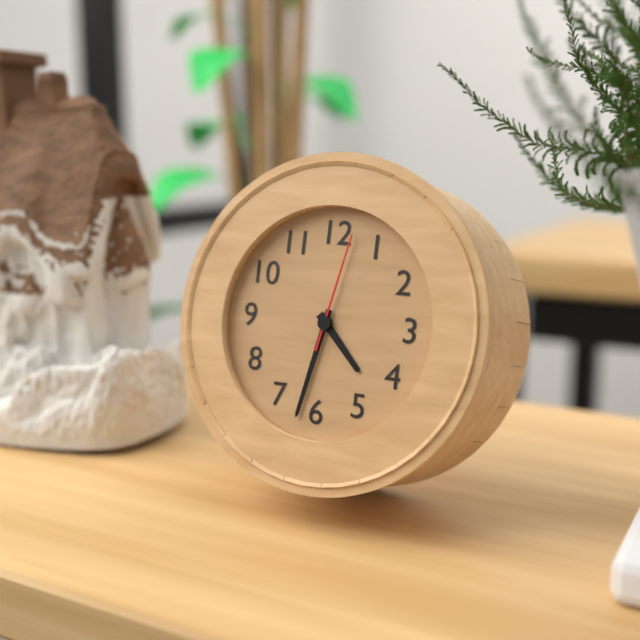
4:32:02
